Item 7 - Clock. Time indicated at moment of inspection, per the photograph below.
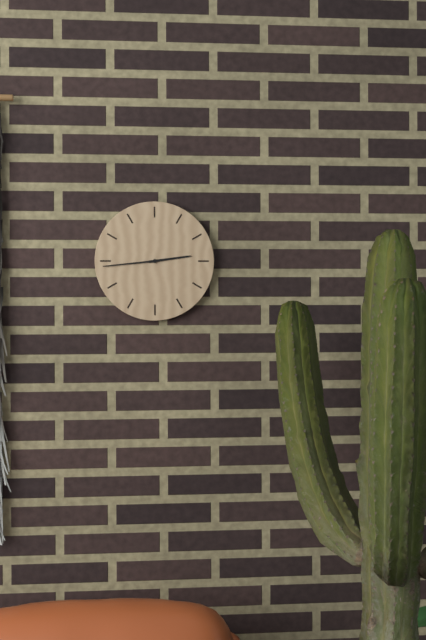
2:44
